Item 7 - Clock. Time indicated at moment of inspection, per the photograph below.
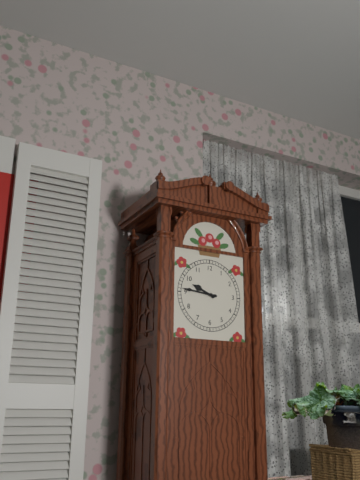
9:46
